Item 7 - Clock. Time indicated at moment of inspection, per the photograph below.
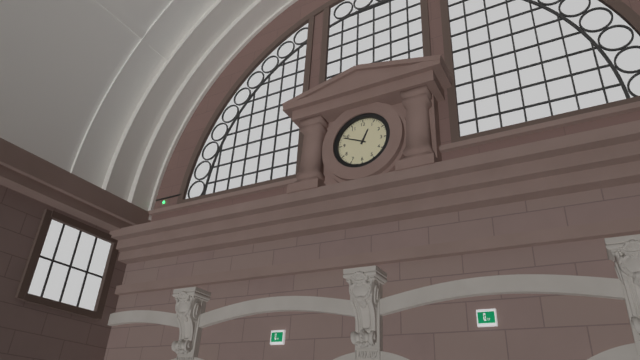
12:49
